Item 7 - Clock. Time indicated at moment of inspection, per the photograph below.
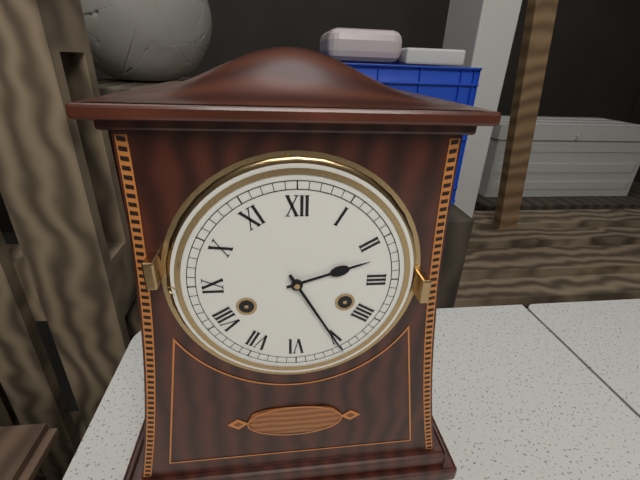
2:25
